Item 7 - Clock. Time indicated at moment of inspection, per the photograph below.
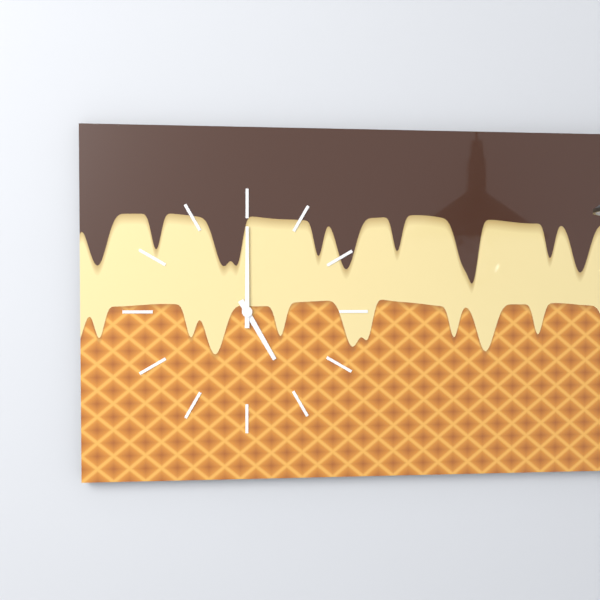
5:00
